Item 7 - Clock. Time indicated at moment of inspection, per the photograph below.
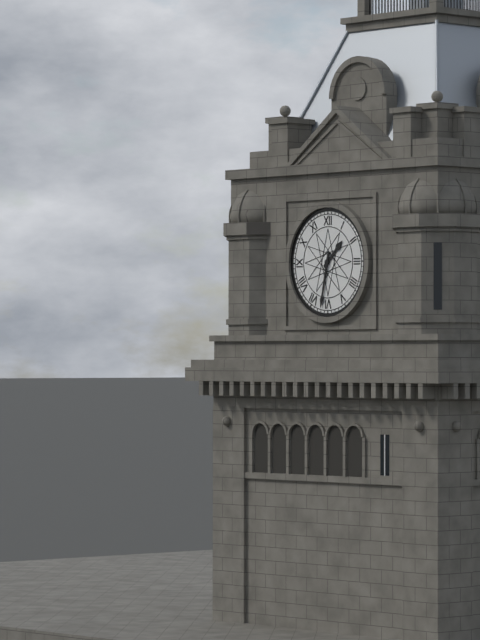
1:32
